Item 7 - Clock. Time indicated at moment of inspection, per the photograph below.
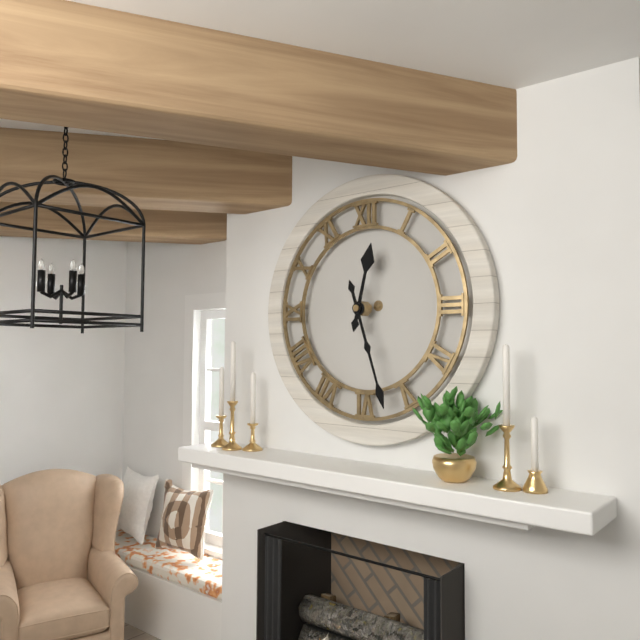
12:27
